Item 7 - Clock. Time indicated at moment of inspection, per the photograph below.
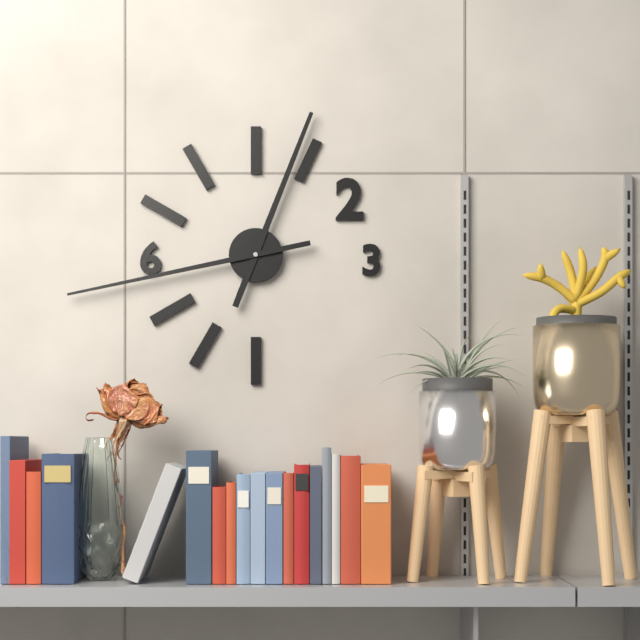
12:43
